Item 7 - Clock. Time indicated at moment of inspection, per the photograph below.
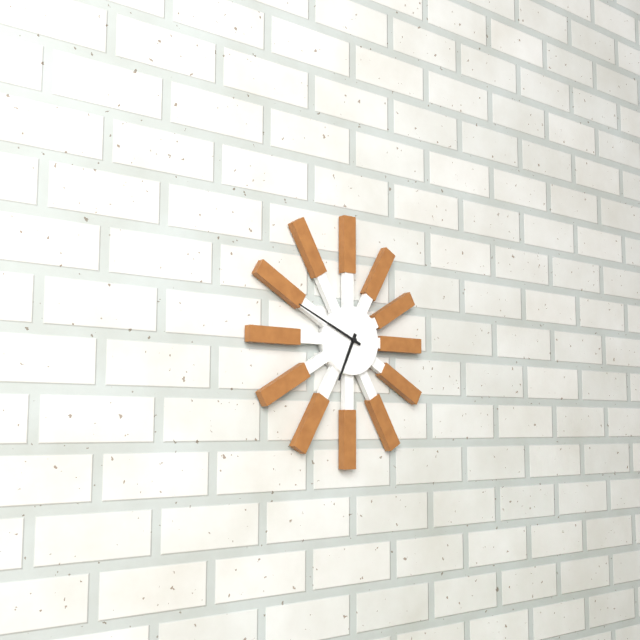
6:49
